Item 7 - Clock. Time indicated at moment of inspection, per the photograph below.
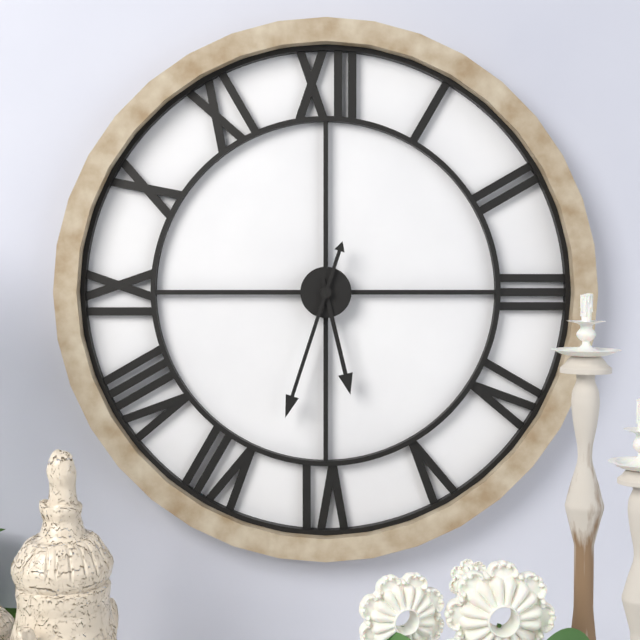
5:33
